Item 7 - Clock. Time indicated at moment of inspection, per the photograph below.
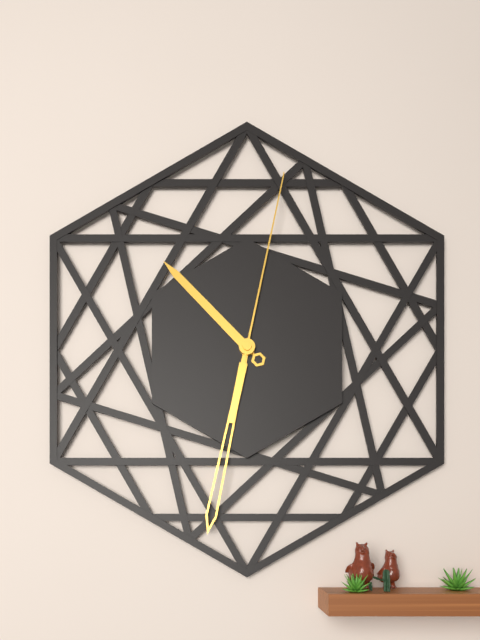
10:32:02
